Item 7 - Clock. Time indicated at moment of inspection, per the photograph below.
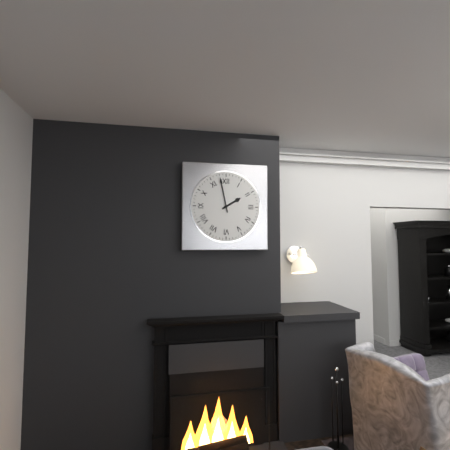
1:58
